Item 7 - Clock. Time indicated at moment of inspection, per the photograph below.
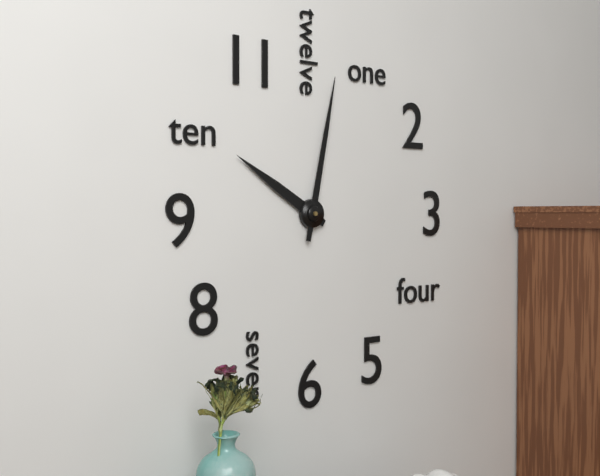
10:02
